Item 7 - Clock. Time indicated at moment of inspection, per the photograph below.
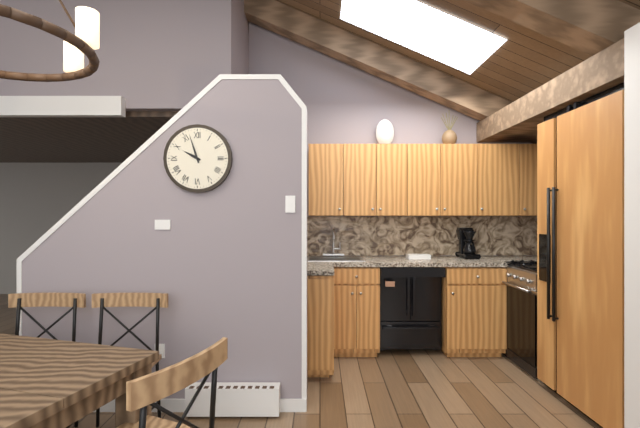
9:57
